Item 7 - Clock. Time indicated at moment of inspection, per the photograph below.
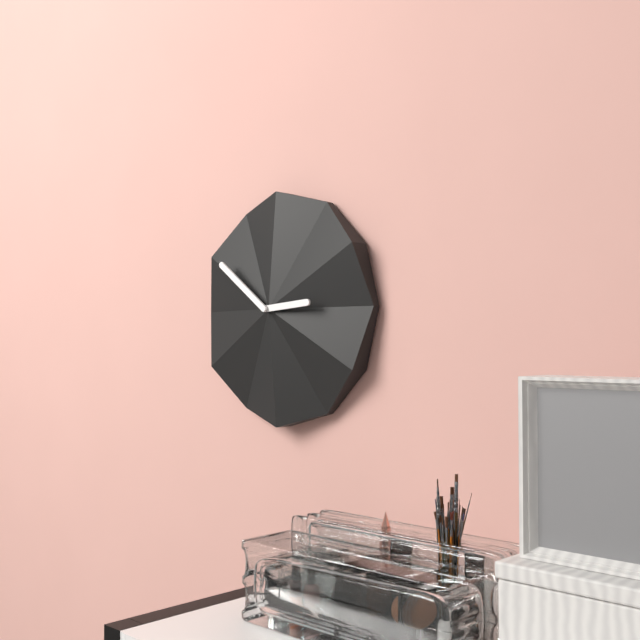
2:51
